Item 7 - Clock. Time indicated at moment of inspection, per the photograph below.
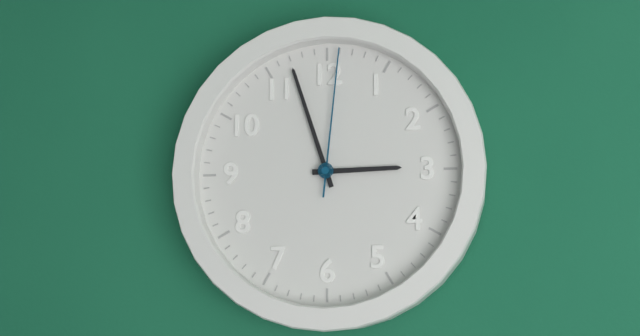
2:57:01
